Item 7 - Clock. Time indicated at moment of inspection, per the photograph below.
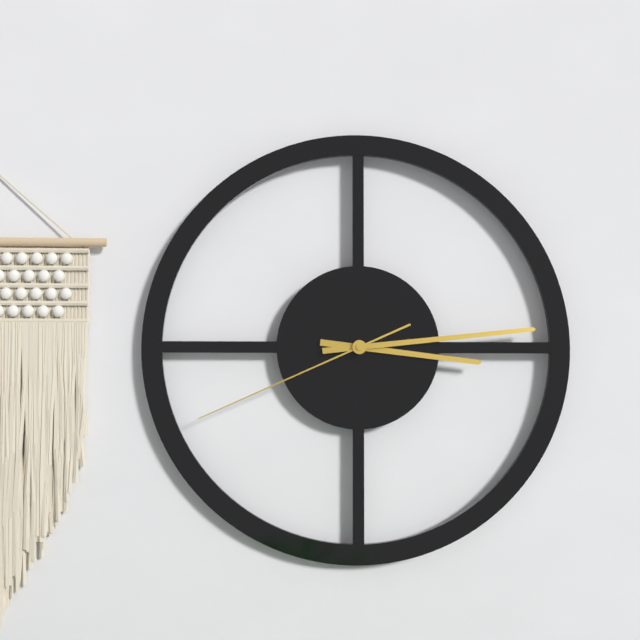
3:14:41
